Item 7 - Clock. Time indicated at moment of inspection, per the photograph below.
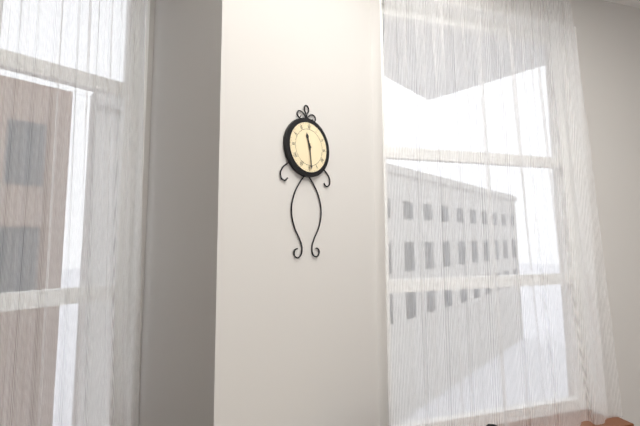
11:29
